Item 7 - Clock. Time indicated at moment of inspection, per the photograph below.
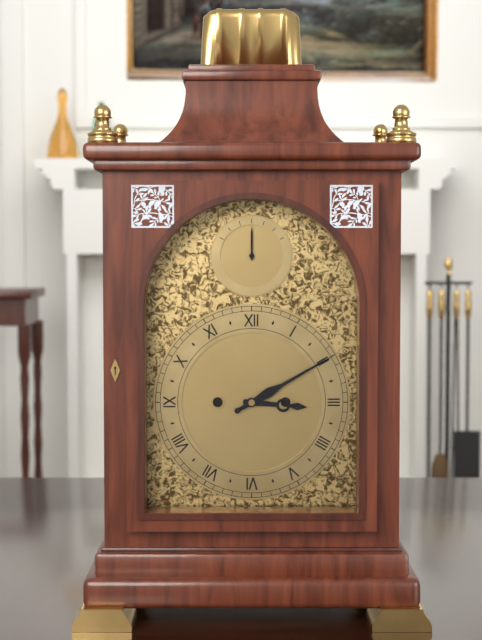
3:10
